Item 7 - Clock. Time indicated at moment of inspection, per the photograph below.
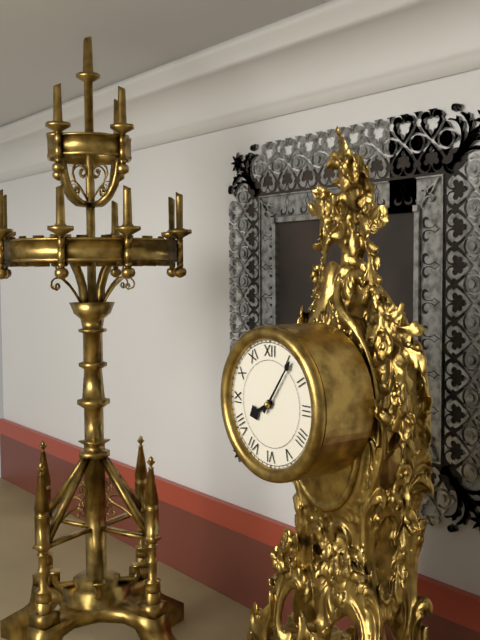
8:06
